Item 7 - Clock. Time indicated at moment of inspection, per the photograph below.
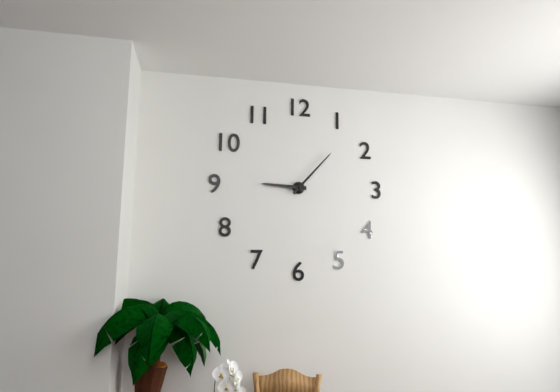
9:07
